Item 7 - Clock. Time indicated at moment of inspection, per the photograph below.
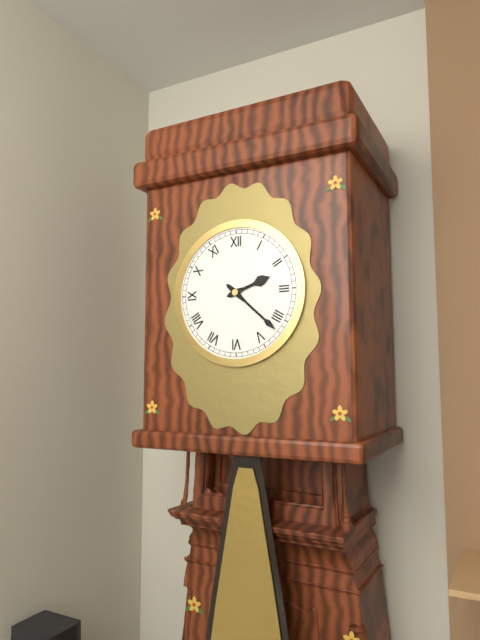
2:22
